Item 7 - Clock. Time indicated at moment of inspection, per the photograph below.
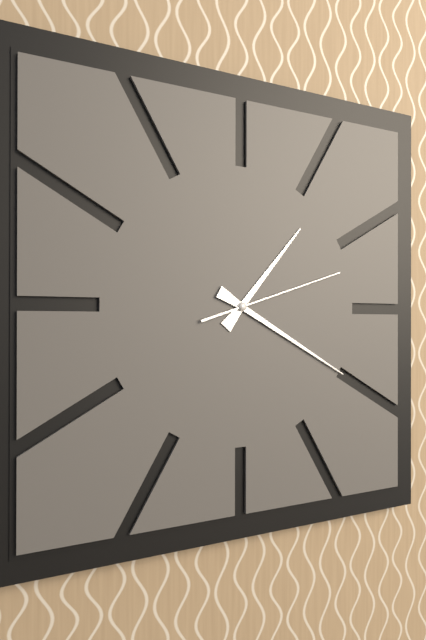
1:20:12
